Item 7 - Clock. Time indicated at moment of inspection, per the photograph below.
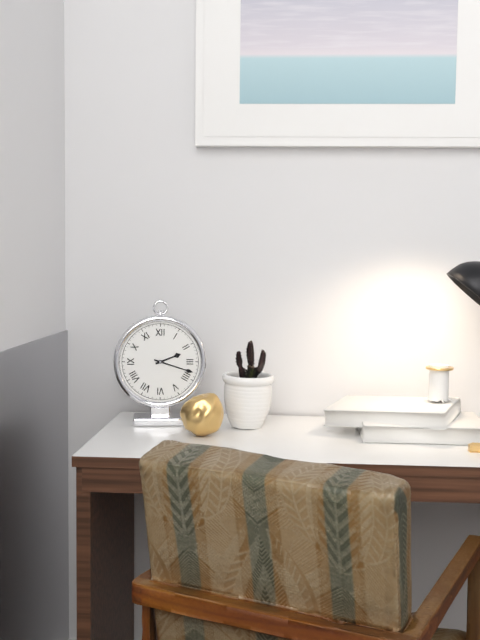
2:18
